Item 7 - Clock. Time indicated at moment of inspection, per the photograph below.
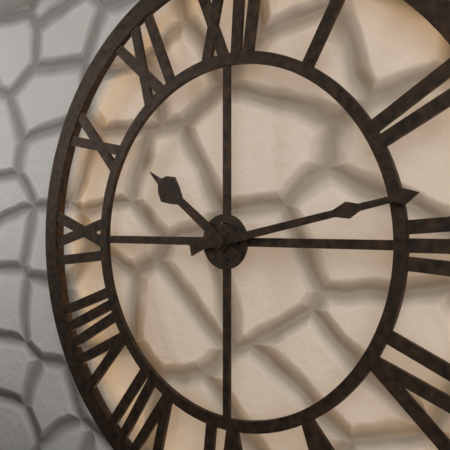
10:13
